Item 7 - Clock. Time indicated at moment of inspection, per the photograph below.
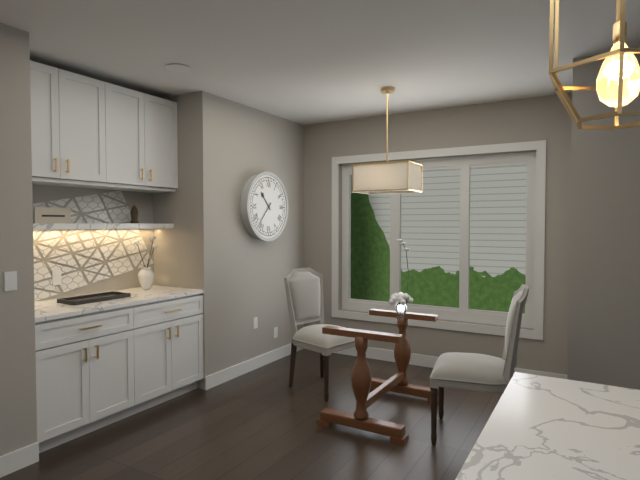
10:37
